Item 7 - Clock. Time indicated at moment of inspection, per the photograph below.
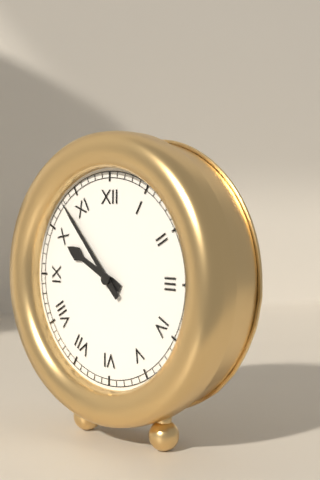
9:53
